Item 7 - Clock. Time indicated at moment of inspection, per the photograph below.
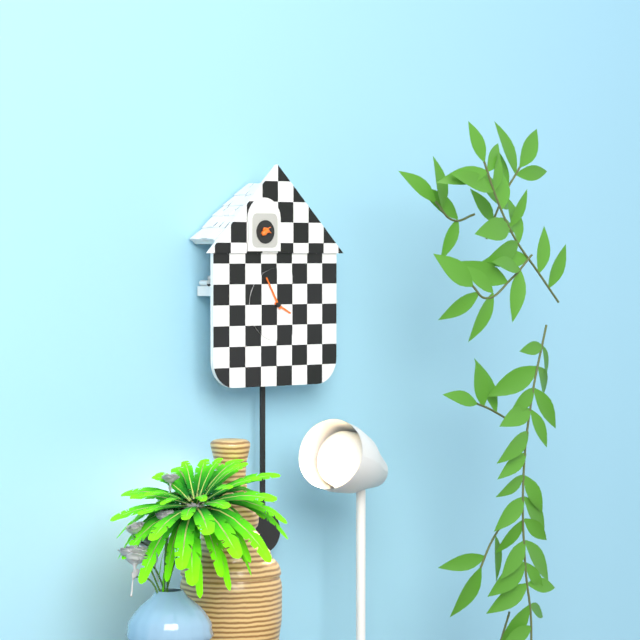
3:55
